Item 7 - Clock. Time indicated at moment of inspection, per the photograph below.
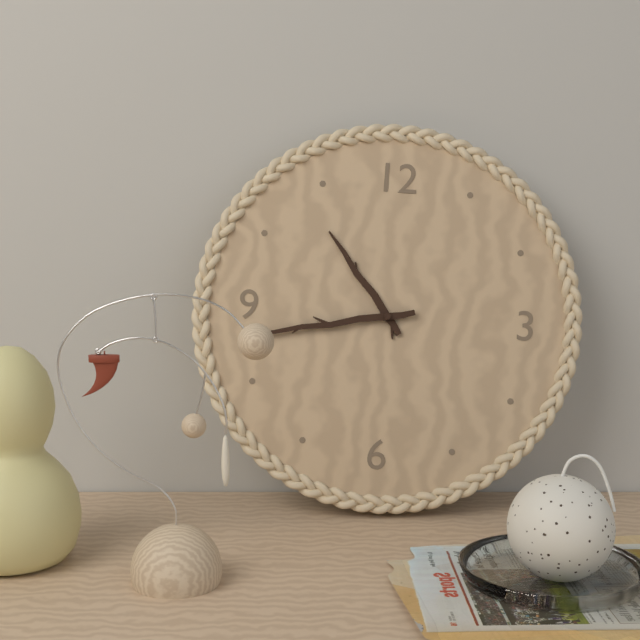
10:43
